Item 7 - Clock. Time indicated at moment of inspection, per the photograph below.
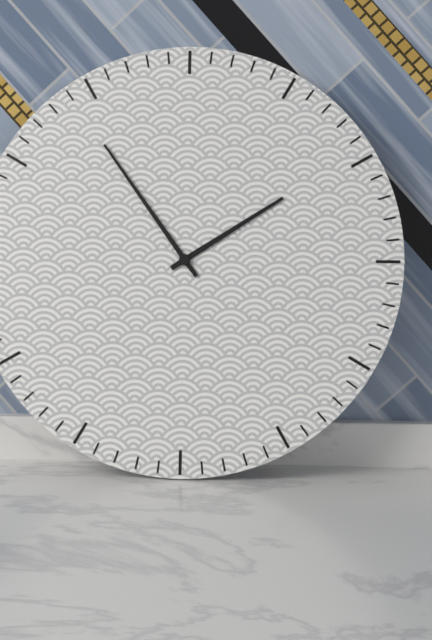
1:54
